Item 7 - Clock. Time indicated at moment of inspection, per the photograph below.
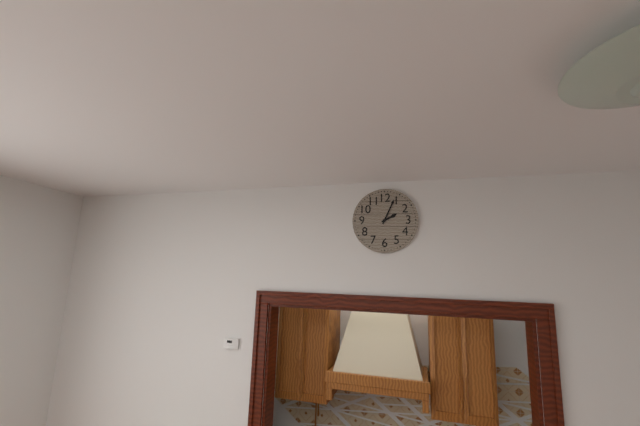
2:04
